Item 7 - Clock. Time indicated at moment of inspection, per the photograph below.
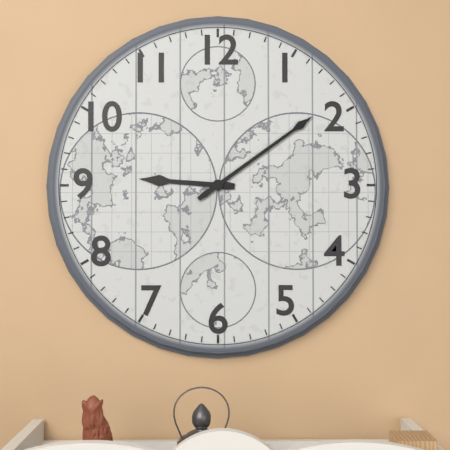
9:09
